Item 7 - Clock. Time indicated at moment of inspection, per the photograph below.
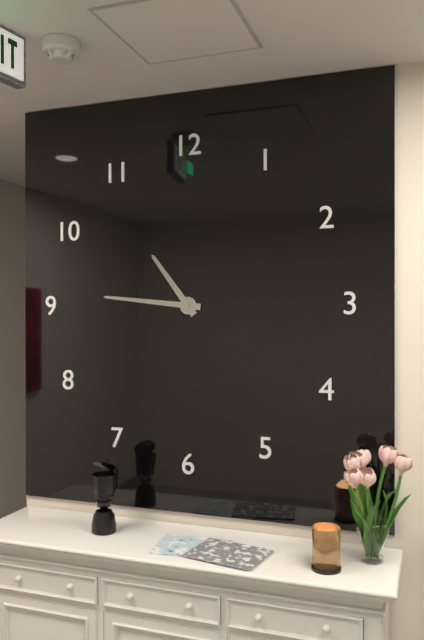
10:46
